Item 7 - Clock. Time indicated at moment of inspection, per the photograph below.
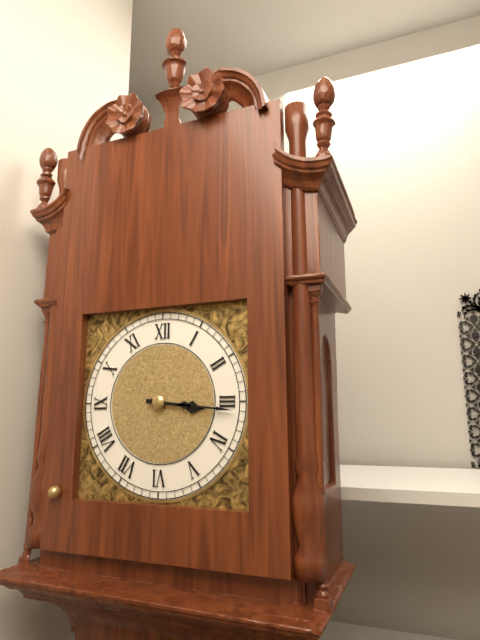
3:16
